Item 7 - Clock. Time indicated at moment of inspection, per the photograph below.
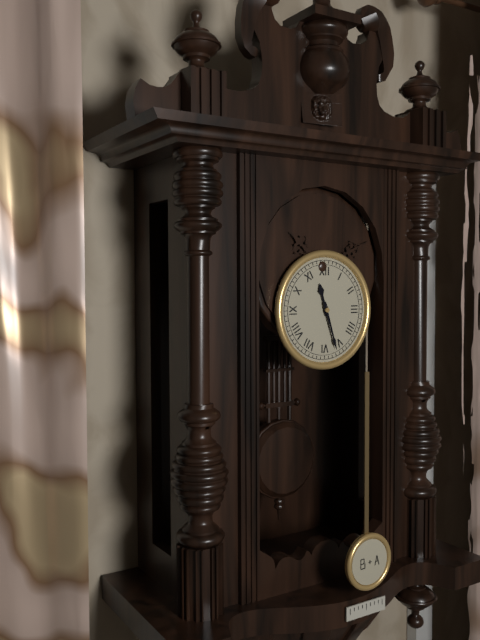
11:27
